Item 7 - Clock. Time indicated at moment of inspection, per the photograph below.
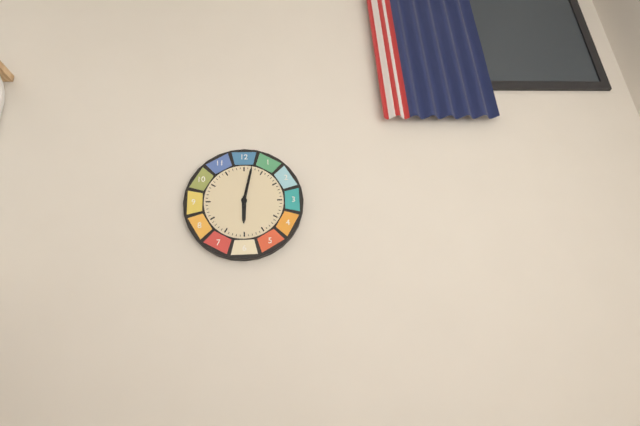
6:02
